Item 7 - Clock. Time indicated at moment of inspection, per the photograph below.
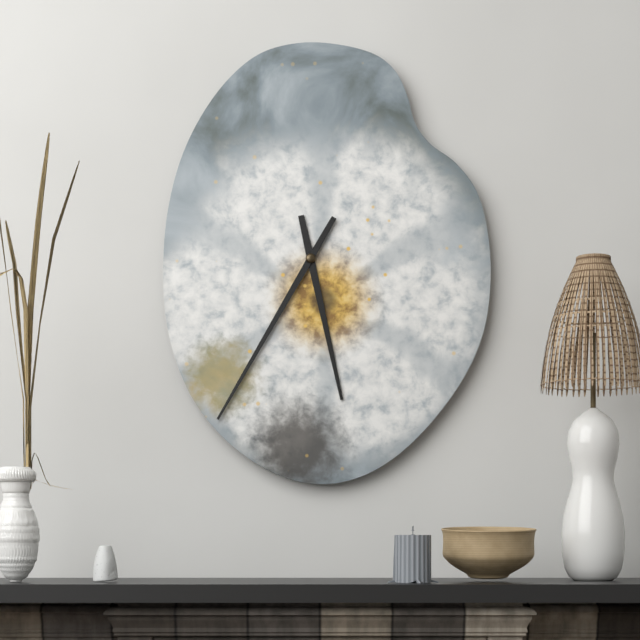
5:35
